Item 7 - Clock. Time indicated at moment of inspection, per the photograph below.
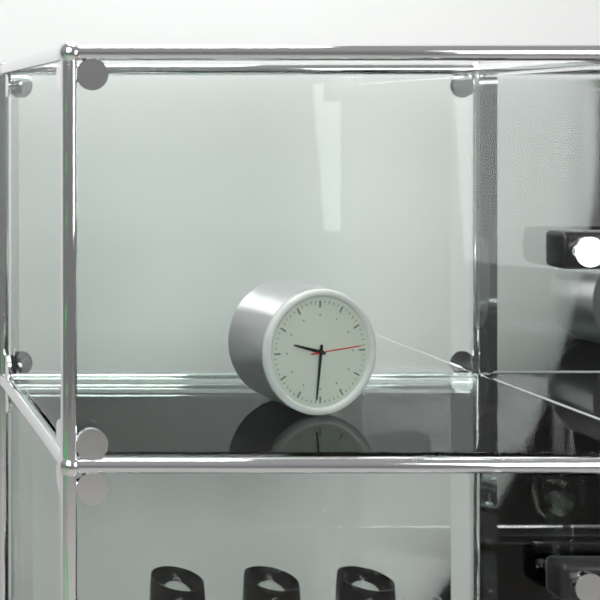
9:31:14
